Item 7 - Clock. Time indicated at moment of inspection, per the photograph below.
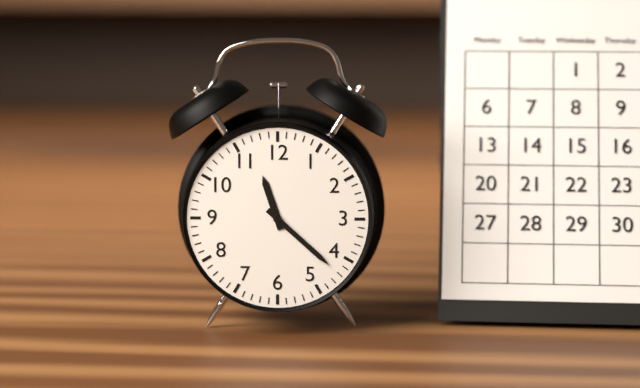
11:22
